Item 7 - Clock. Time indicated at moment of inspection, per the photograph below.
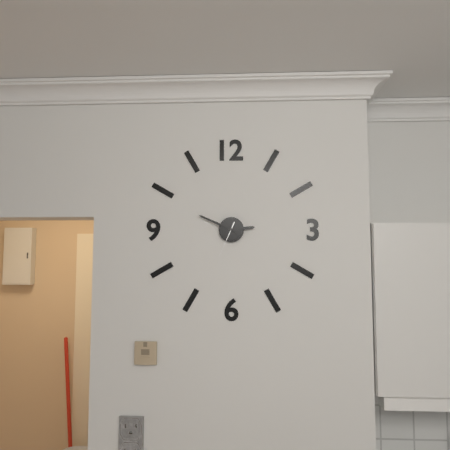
2:49
